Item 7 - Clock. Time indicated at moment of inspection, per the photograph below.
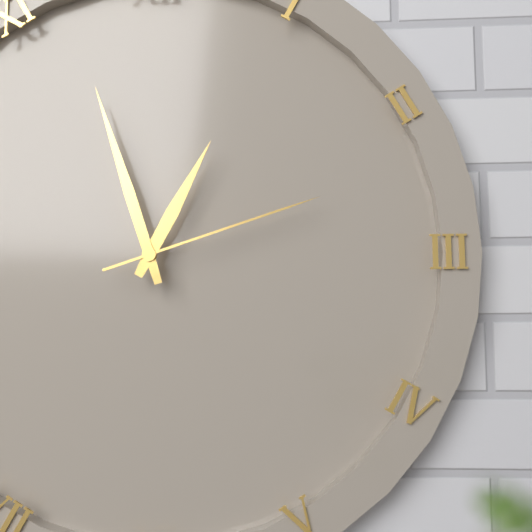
12:57:12
